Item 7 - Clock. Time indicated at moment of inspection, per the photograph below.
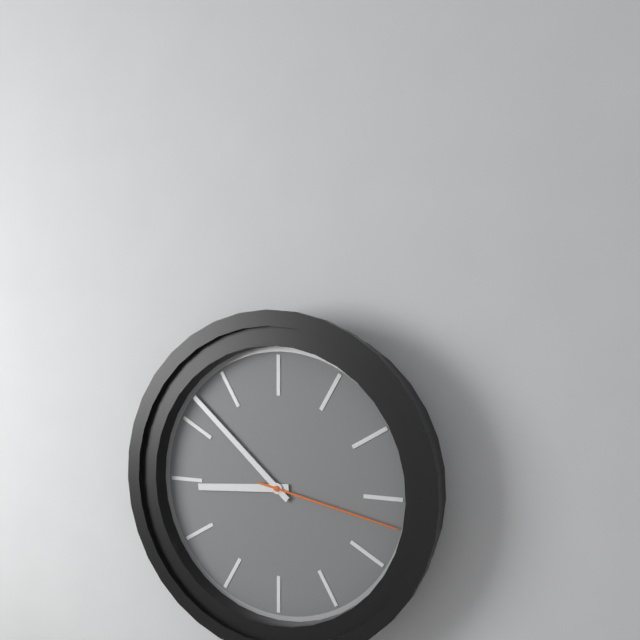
8:52:17
